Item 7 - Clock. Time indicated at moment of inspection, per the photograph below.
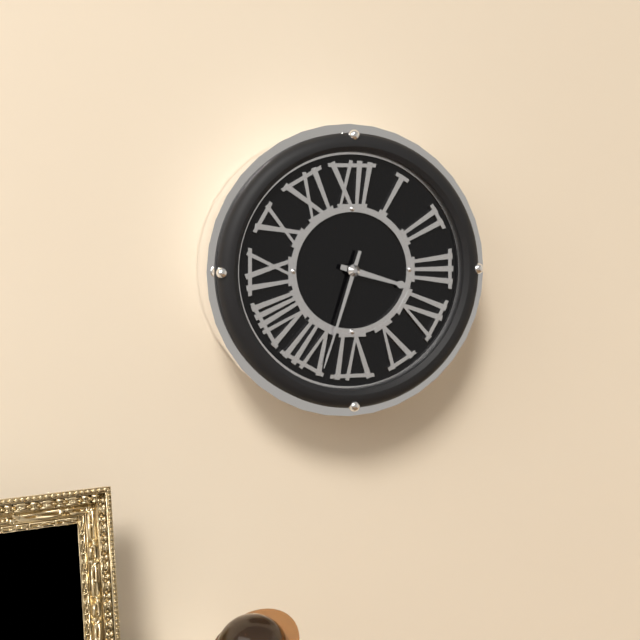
3:33
